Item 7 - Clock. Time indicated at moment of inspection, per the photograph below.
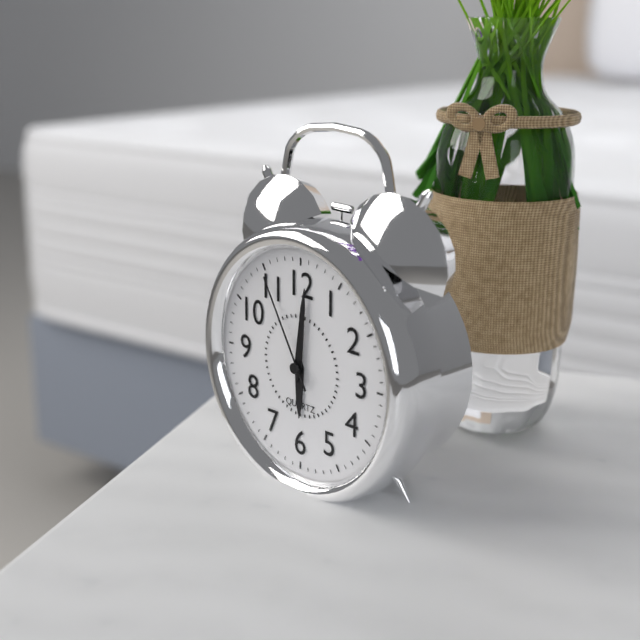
6:01:55
